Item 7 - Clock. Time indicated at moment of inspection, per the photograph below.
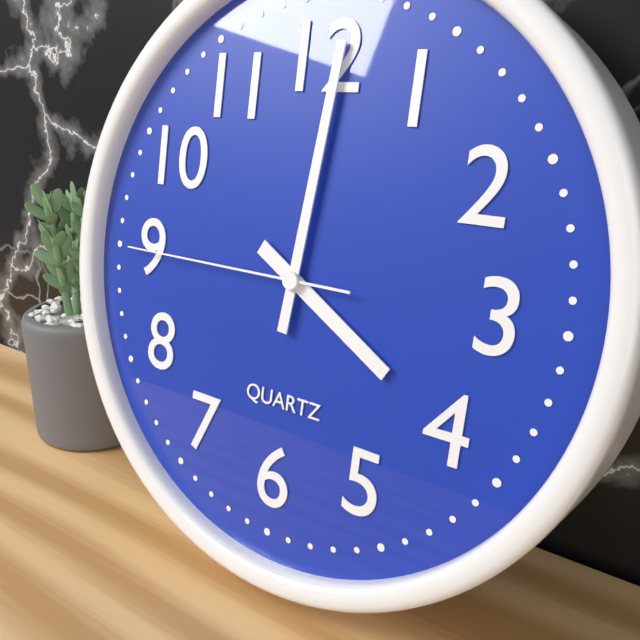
4:01:45
